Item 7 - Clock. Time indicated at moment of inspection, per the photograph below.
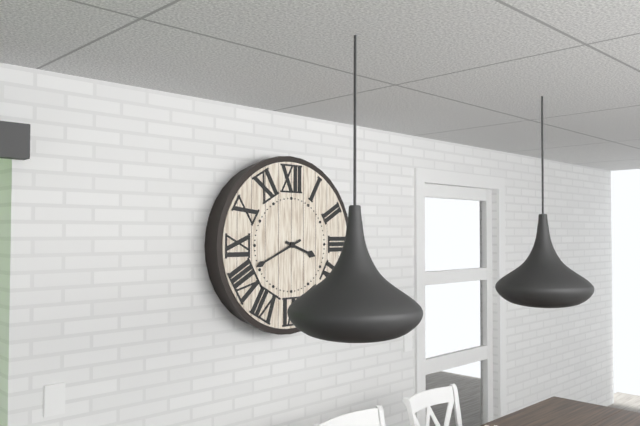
3:41
